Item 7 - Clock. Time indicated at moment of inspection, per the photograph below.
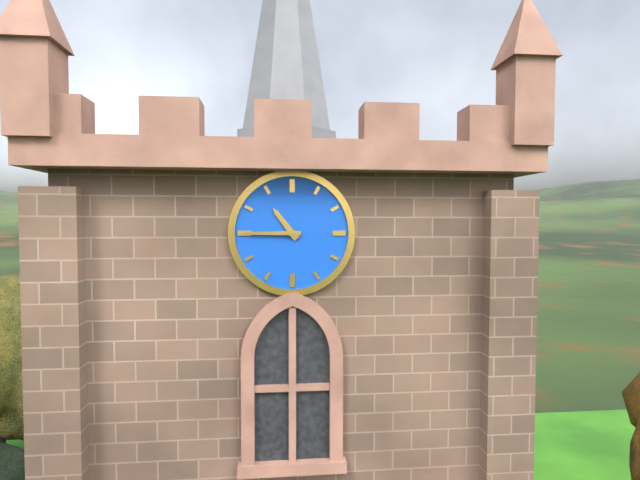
10:45
